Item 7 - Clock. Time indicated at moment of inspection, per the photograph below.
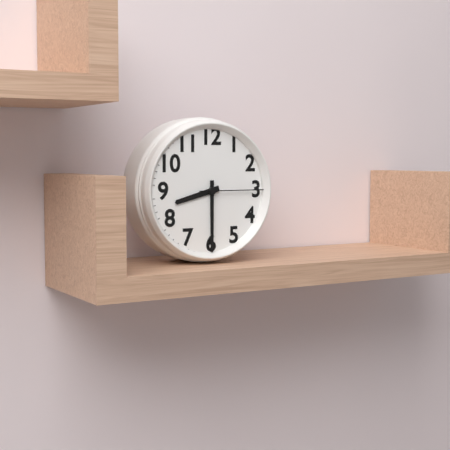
8:30:15
